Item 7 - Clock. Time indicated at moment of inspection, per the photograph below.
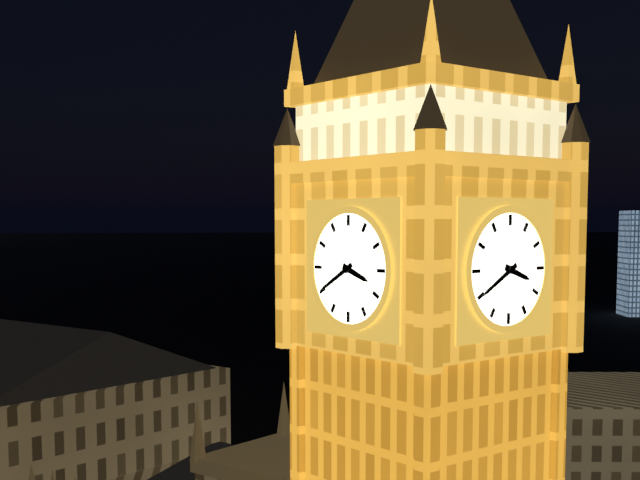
3:40
